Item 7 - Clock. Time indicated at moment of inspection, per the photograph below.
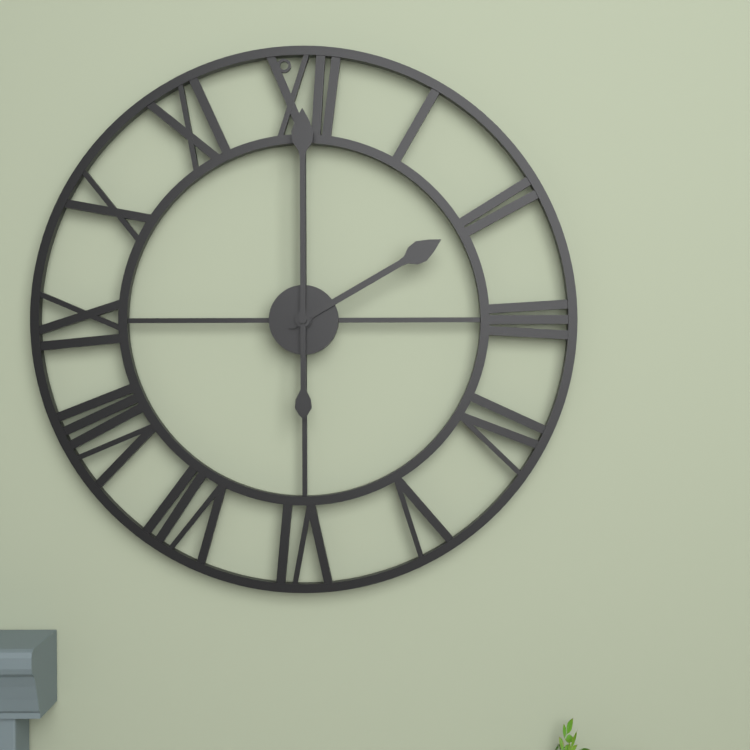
2:00
